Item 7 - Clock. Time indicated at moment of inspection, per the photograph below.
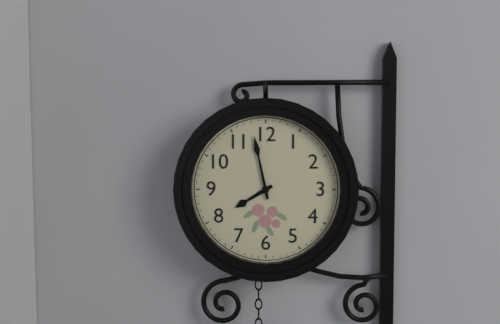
7:58
